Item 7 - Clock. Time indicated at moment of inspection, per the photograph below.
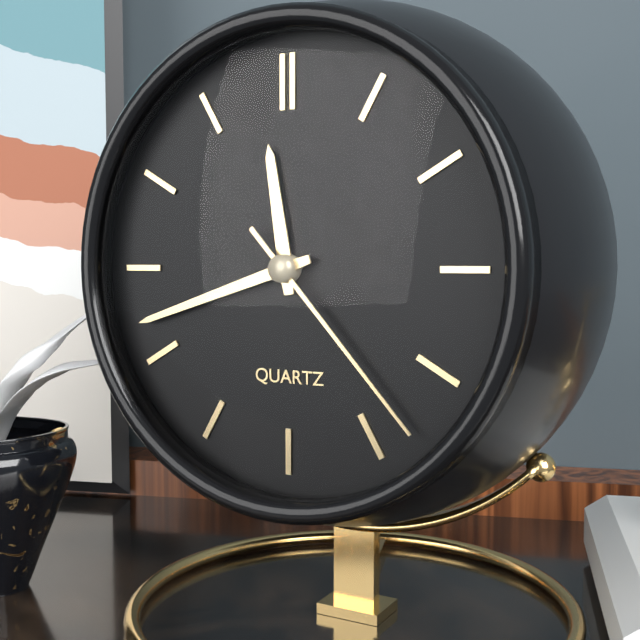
11:42:23
